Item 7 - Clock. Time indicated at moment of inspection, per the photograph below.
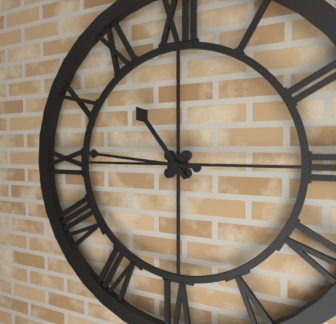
10:46
